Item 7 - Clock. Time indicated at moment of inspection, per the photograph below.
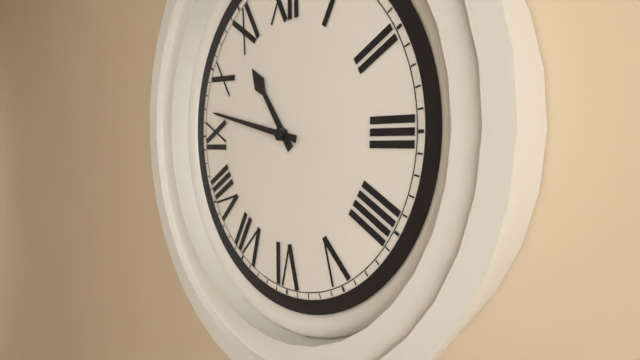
10:47
